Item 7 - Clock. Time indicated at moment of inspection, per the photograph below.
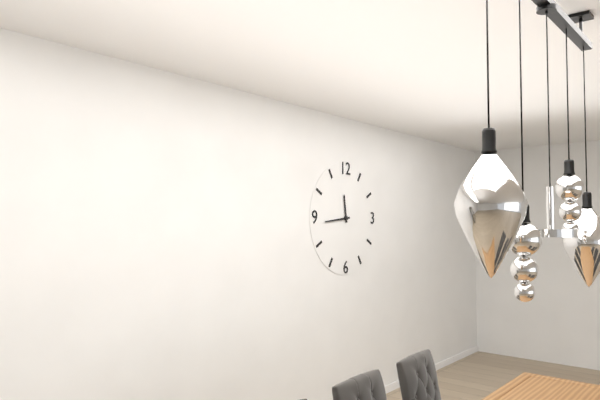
11:44
